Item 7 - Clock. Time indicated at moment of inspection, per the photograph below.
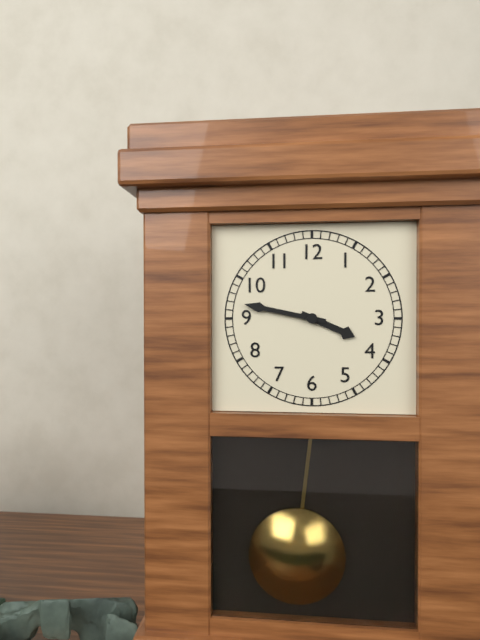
3:47
